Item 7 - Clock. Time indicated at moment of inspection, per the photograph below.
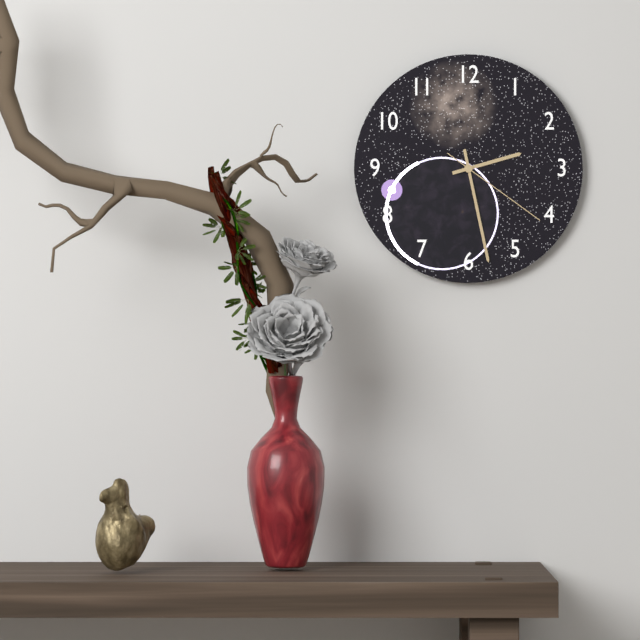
2:28:21
